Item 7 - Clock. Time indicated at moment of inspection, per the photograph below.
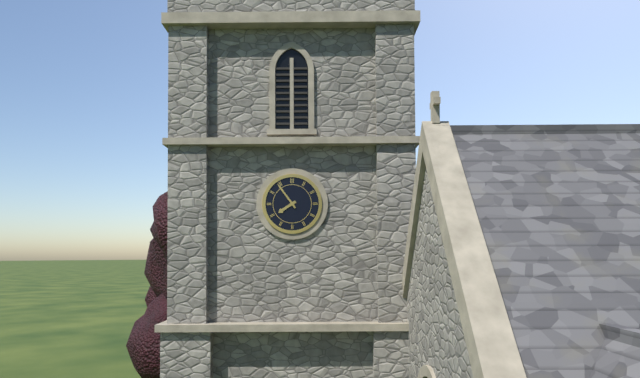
7:54
